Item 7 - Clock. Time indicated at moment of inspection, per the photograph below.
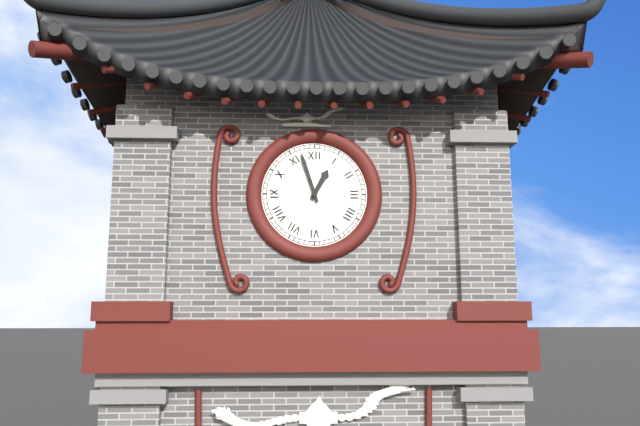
12:57
